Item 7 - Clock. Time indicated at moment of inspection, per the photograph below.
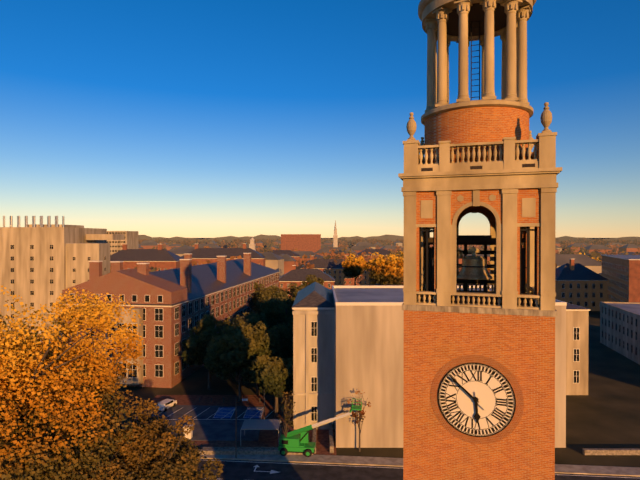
5:52
